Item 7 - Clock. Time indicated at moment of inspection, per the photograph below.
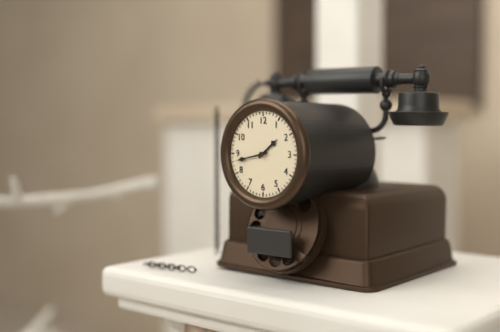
1:43
